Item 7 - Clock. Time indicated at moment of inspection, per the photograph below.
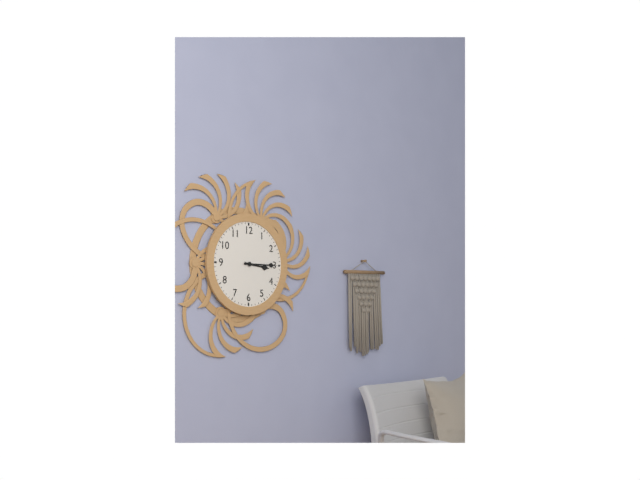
3:15
